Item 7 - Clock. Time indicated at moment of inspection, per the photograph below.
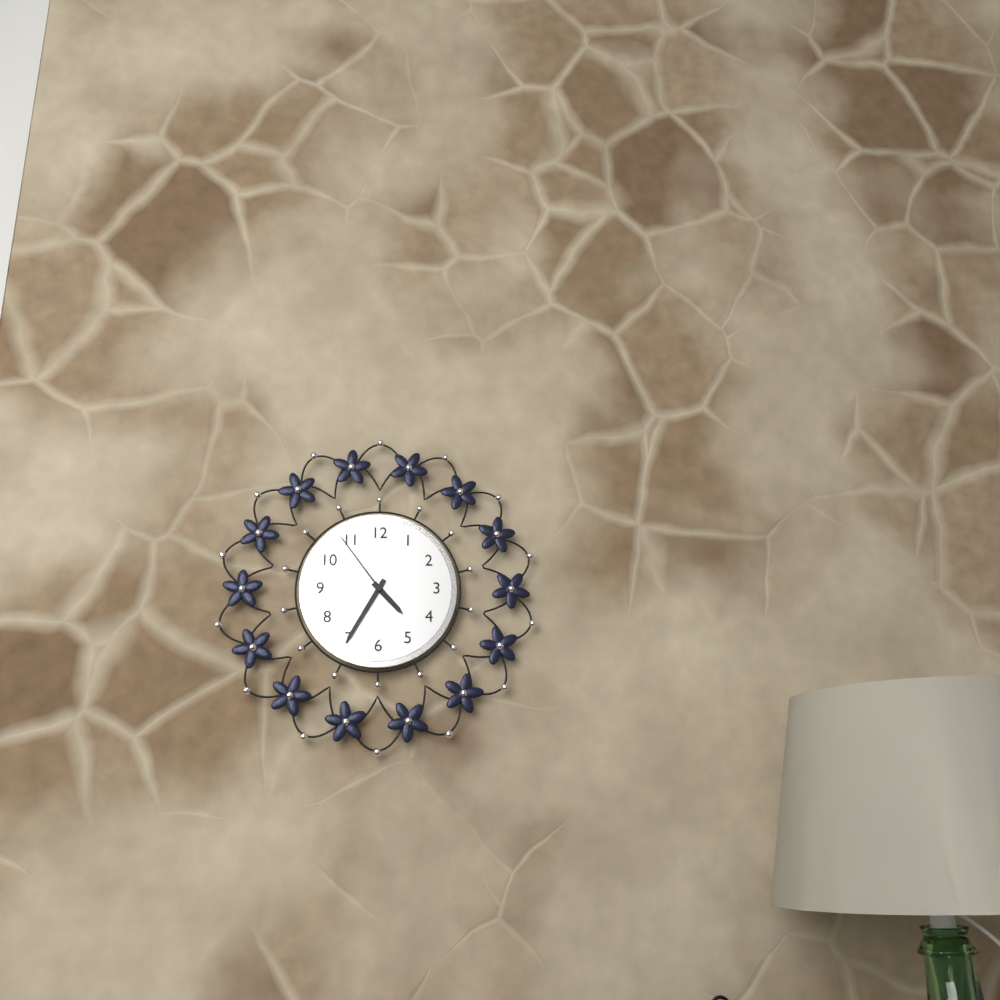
4:35:54
